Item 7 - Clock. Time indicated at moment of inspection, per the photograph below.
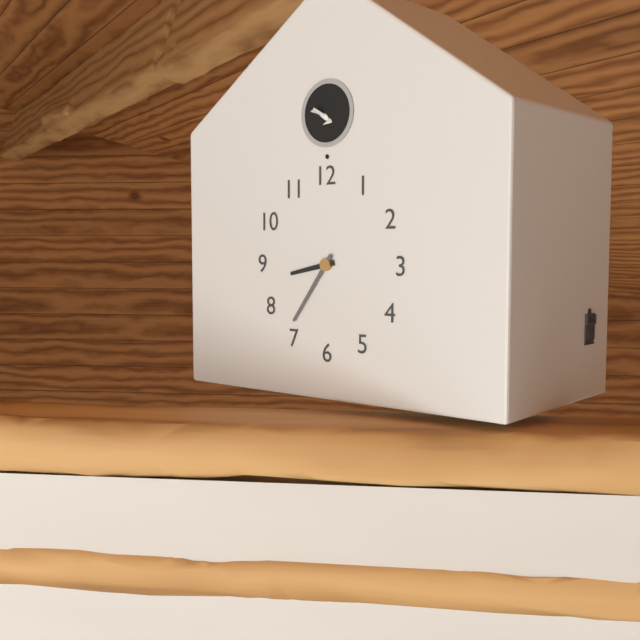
8:36
